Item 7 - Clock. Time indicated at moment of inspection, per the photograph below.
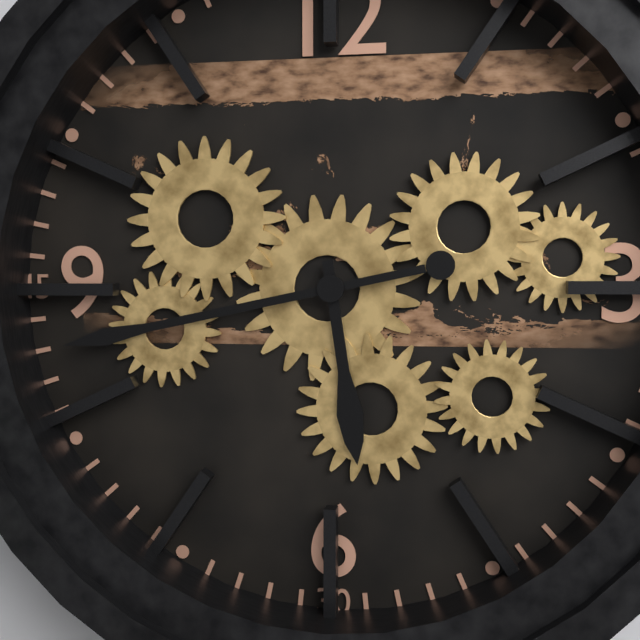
5:43
